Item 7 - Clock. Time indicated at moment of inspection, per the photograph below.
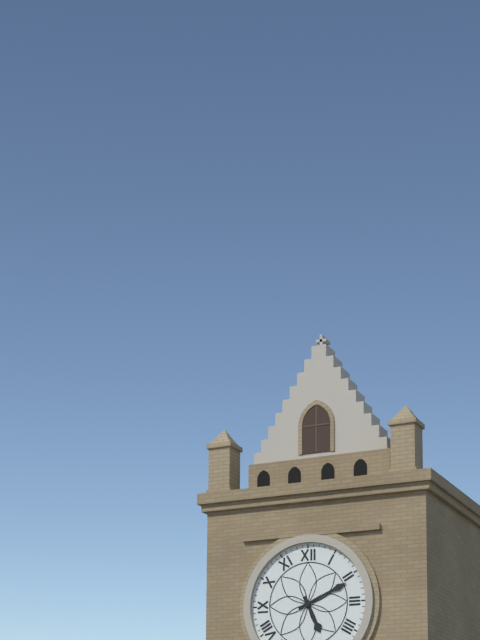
5:11
